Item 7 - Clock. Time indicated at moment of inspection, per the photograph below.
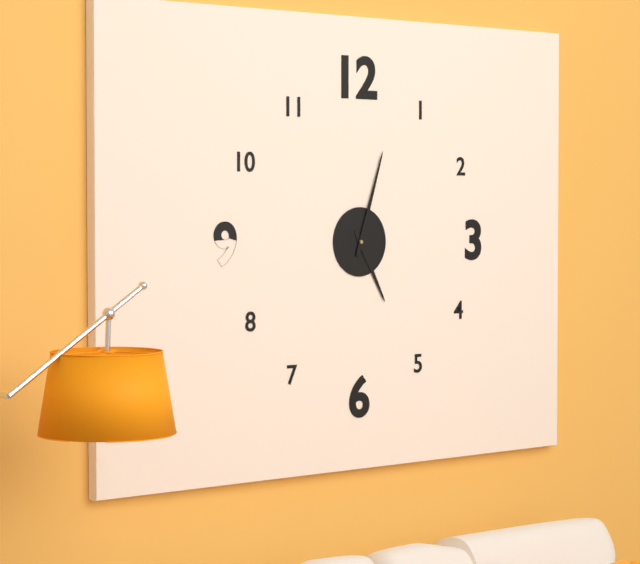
5:03
